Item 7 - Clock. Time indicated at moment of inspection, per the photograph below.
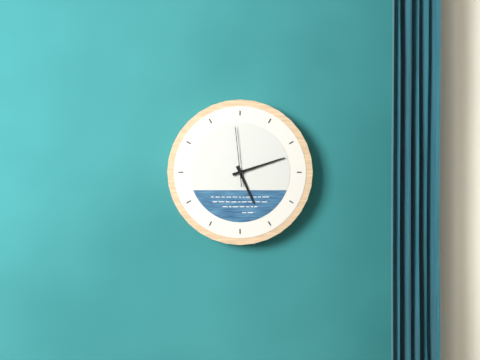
5:12:59
